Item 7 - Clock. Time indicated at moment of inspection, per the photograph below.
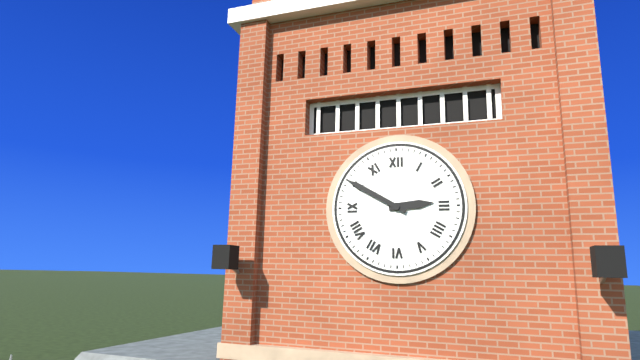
2:50
